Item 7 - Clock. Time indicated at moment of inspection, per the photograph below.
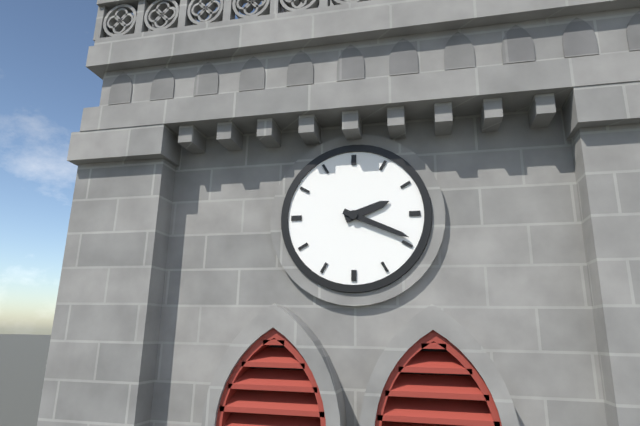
2:19
